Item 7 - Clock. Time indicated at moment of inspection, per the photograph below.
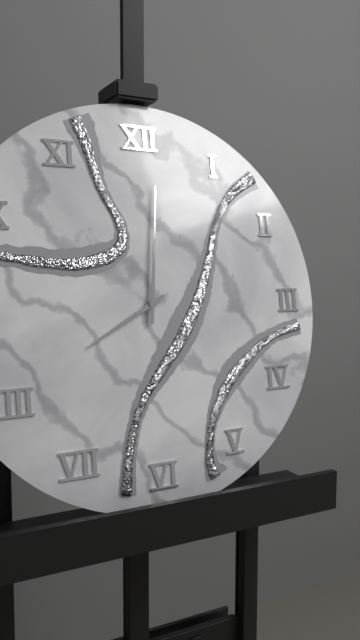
8:01
